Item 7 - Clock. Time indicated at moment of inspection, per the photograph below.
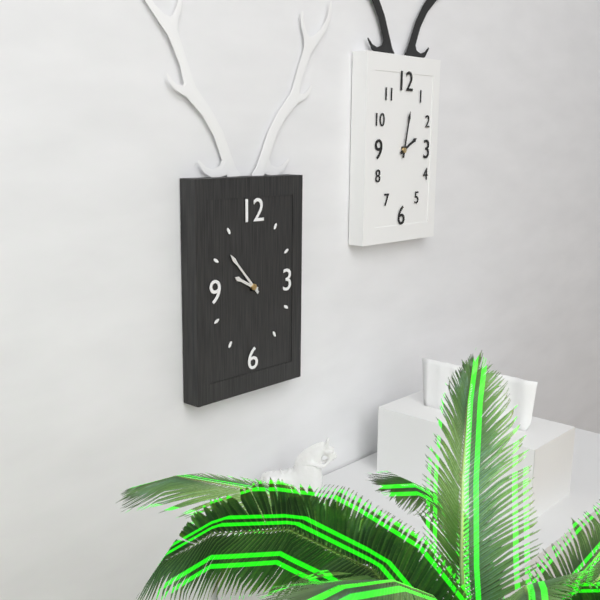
9:53
